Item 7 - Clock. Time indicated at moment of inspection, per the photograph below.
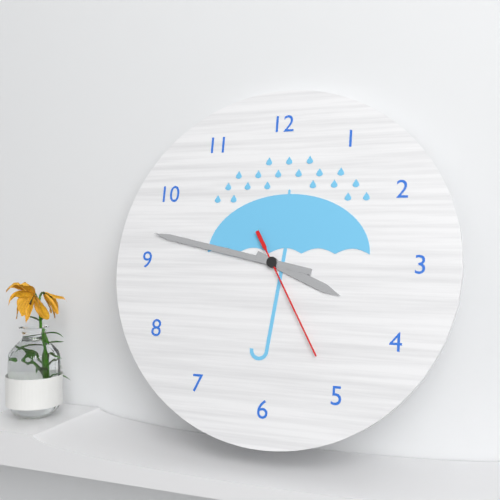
3:47:25
